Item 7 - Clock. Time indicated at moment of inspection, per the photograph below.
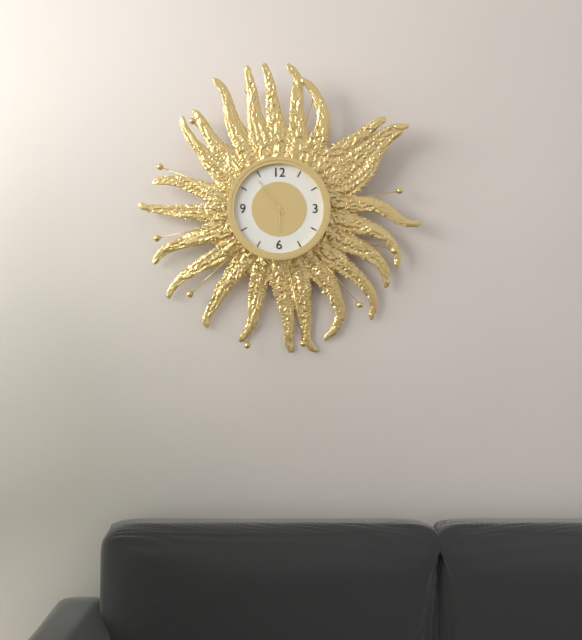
5:54
